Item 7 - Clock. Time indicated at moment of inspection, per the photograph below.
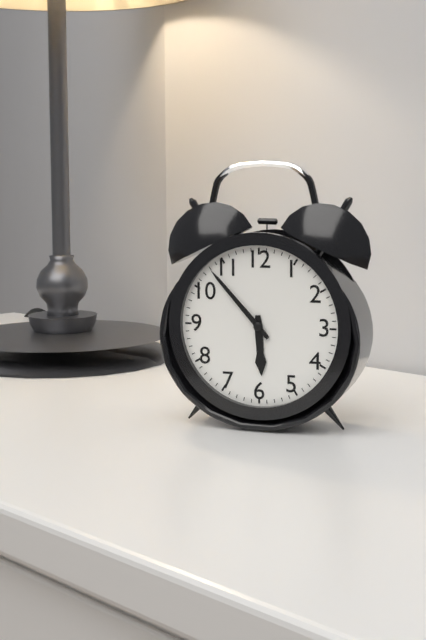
5:53
